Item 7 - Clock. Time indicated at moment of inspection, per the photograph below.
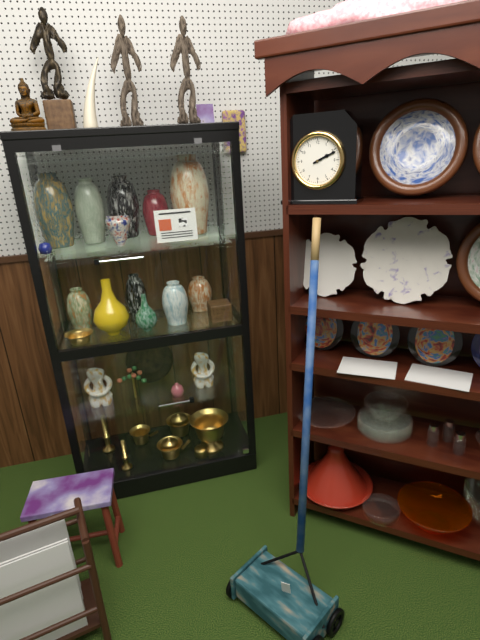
2:11
